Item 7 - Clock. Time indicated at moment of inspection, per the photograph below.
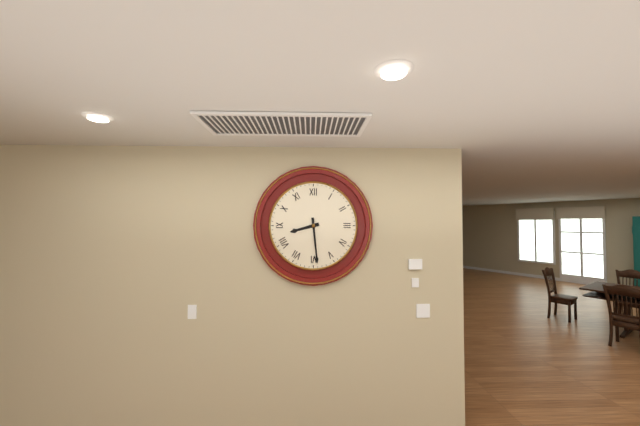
8:29
